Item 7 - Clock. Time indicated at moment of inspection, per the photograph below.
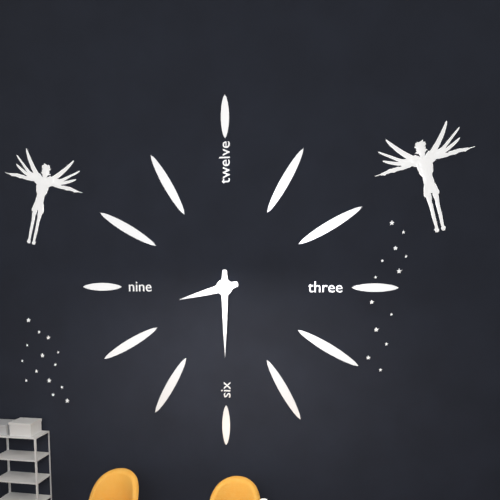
8:30
